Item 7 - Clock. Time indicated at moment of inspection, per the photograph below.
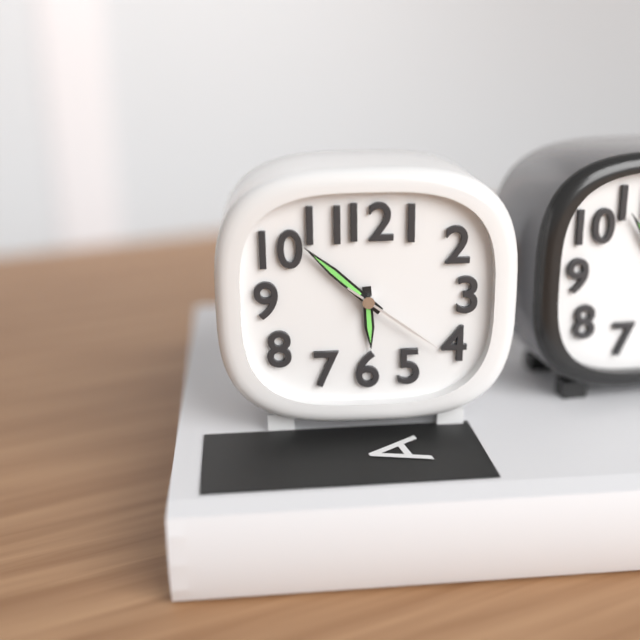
5:52:21
